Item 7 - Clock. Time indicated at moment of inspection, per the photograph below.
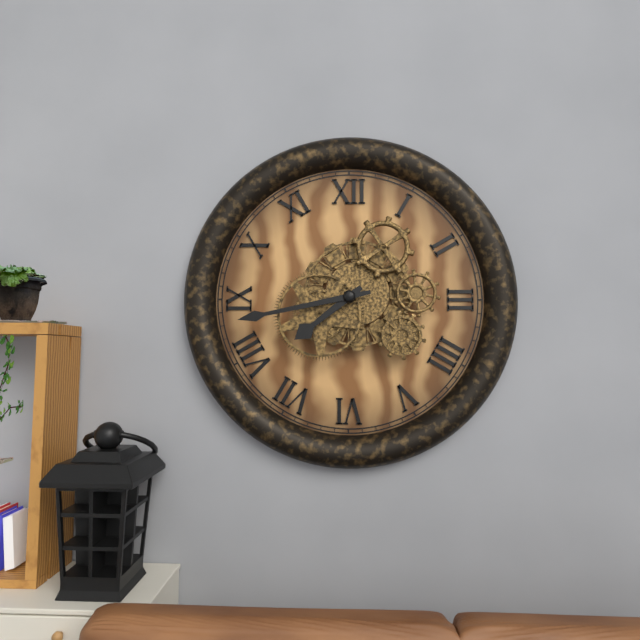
7:43
